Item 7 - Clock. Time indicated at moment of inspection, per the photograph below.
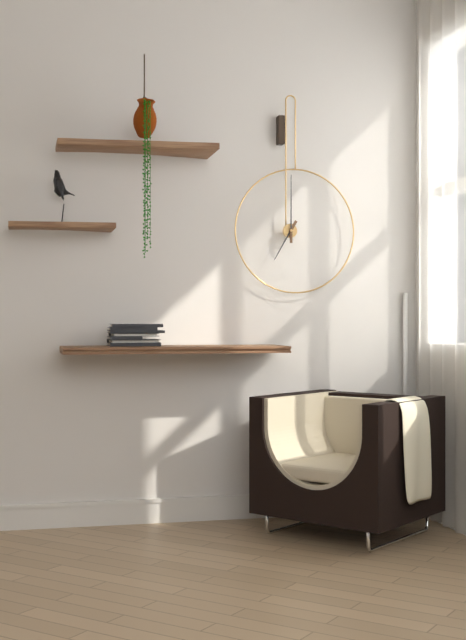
7:00
